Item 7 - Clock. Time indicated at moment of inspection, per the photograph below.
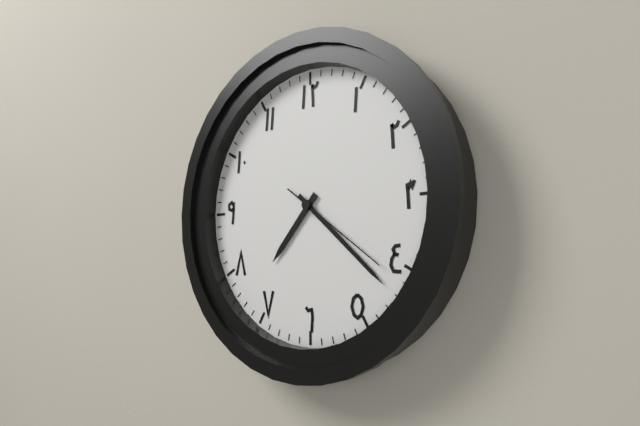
7:22:21
